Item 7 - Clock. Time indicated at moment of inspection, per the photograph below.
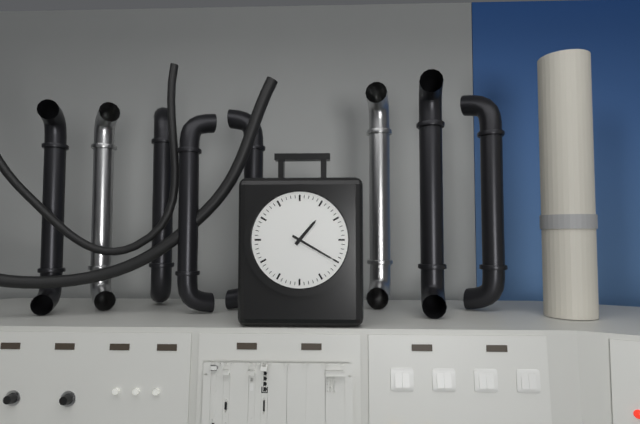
1:20
